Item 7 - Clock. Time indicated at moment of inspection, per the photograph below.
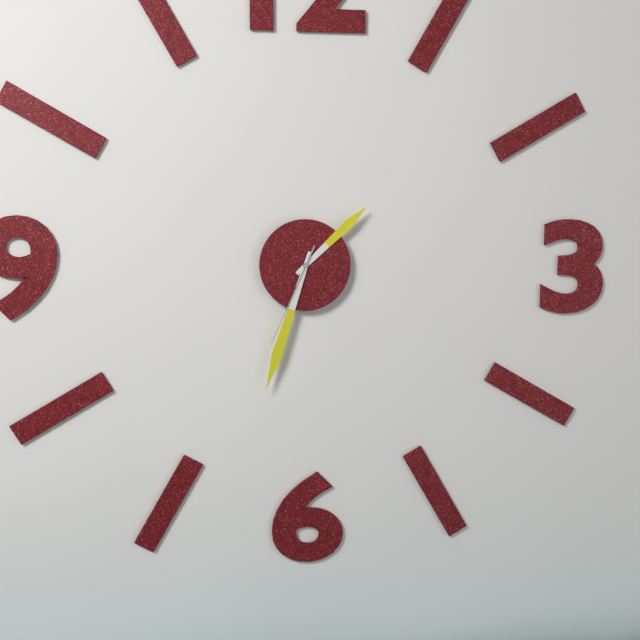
1:33:34
